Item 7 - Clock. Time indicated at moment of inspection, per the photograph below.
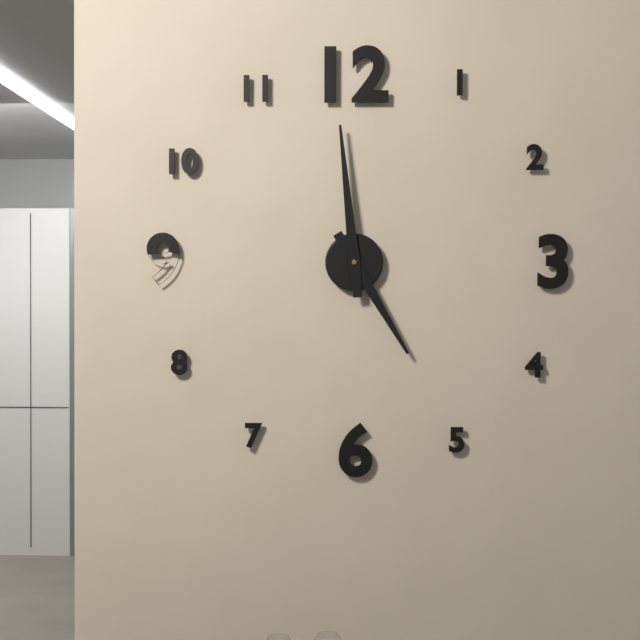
4:59
